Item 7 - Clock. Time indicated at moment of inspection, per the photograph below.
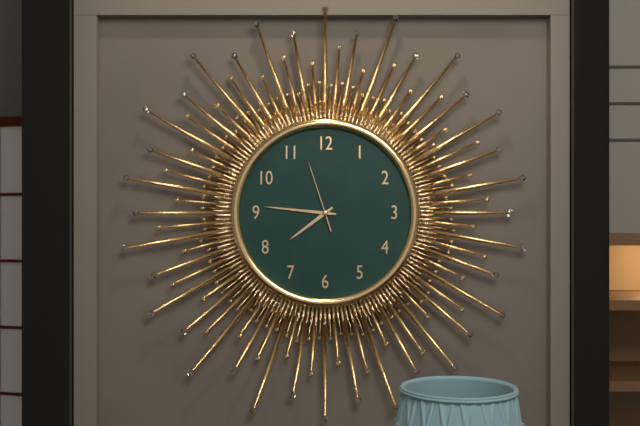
7:46:57
